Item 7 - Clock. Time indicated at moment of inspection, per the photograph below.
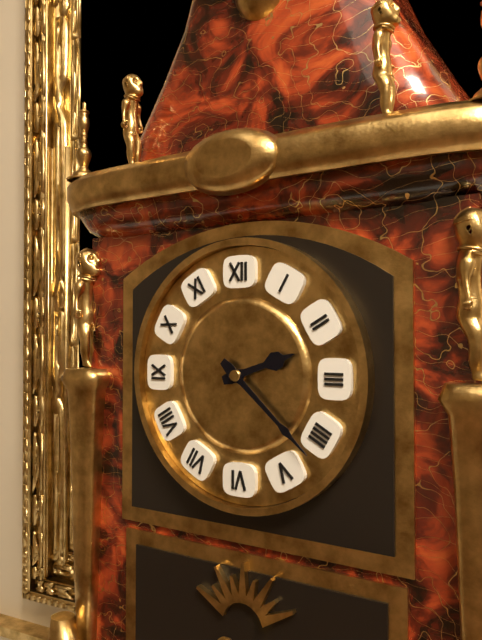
2:22
